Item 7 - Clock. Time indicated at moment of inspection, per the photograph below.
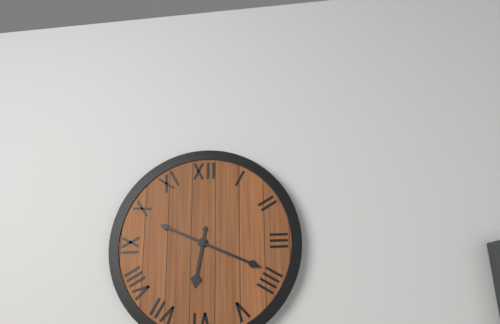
6:19
